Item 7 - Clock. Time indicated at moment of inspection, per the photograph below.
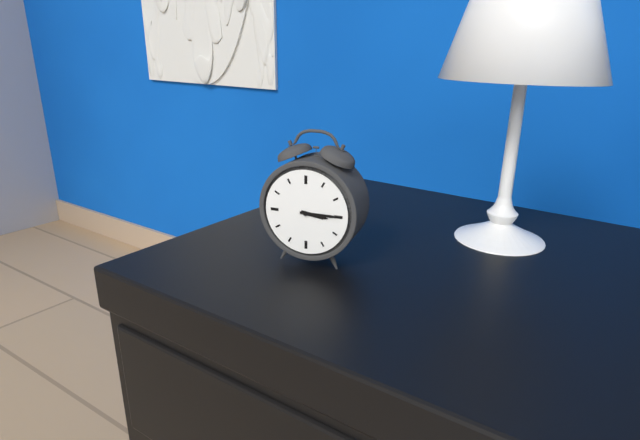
3:15
